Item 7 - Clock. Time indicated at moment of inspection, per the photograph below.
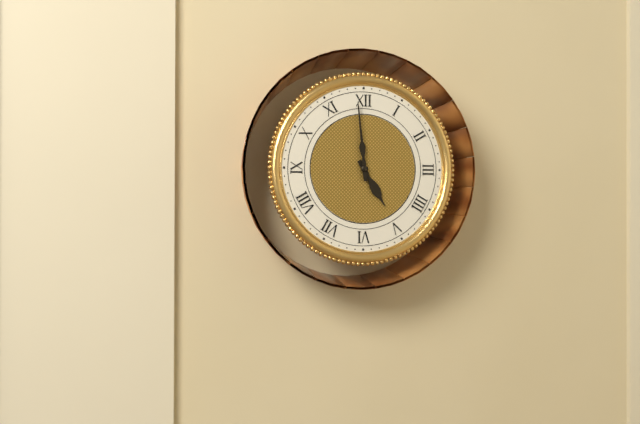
4:59
